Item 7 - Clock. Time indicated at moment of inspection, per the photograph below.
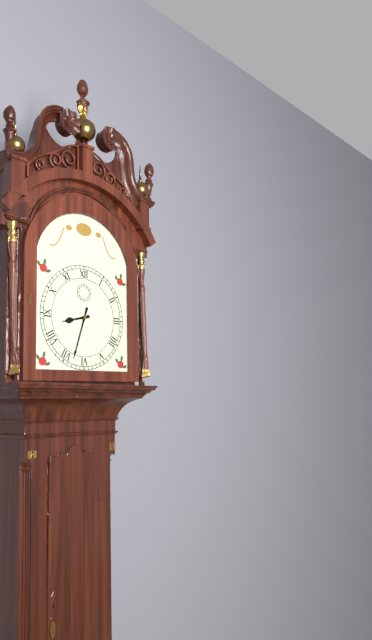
8:33
